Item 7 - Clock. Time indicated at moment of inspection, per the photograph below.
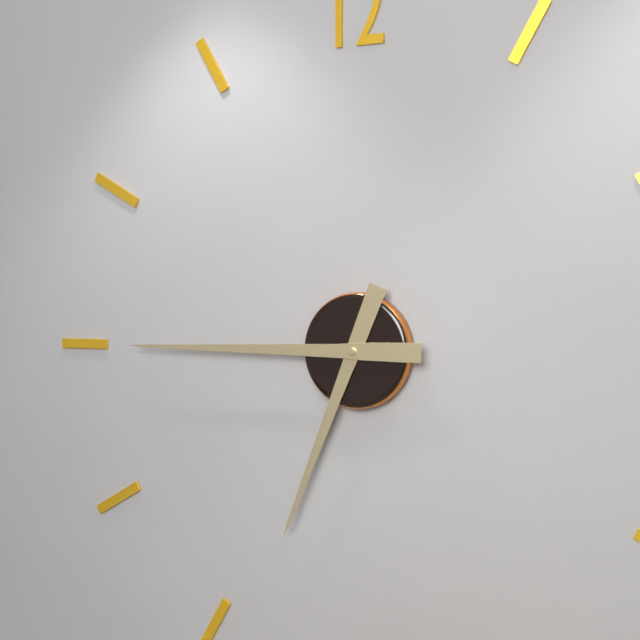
6:45
